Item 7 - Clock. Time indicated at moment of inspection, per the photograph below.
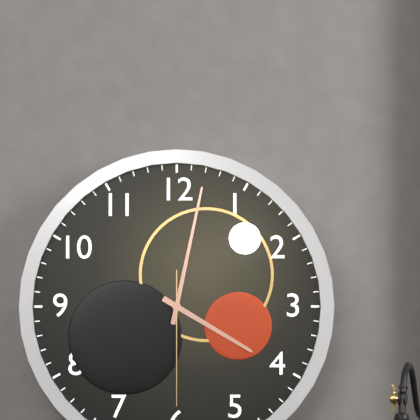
4:02:30
